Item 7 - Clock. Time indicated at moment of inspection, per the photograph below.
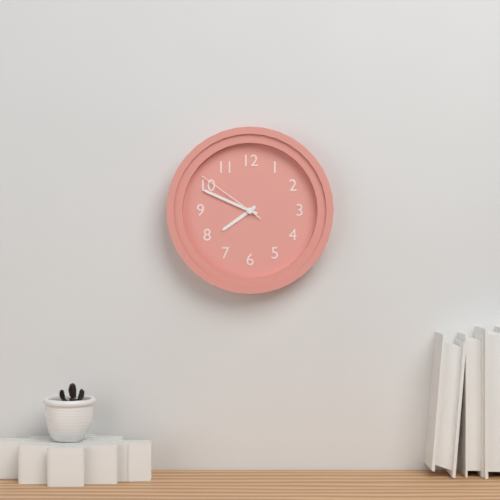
7:49:51
